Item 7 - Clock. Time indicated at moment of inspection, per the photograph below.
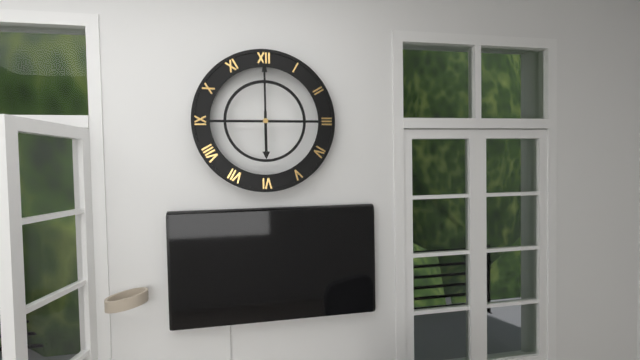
6:00
